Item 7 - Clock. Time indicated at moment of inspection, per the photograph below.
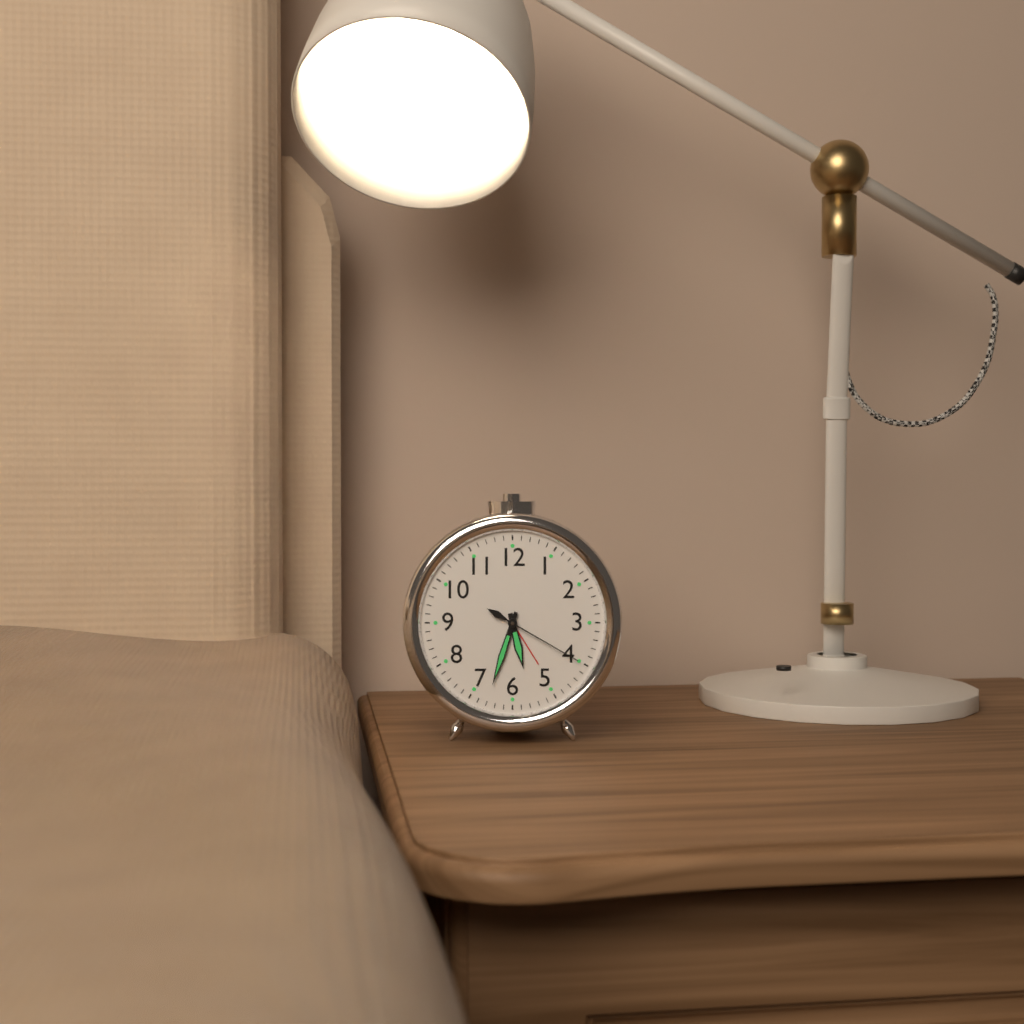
5:33:20
